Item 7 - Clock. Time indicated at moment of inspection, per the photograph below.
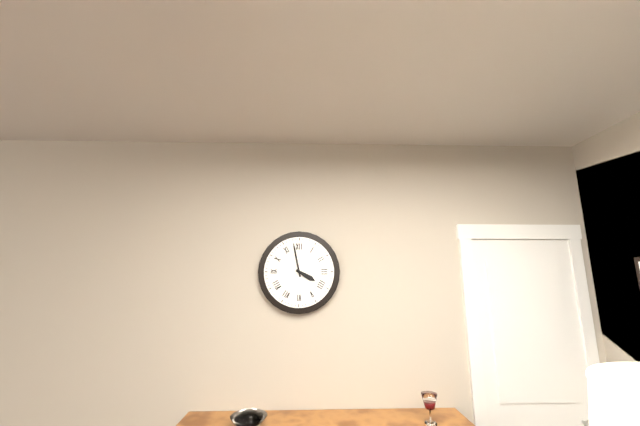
3:58
